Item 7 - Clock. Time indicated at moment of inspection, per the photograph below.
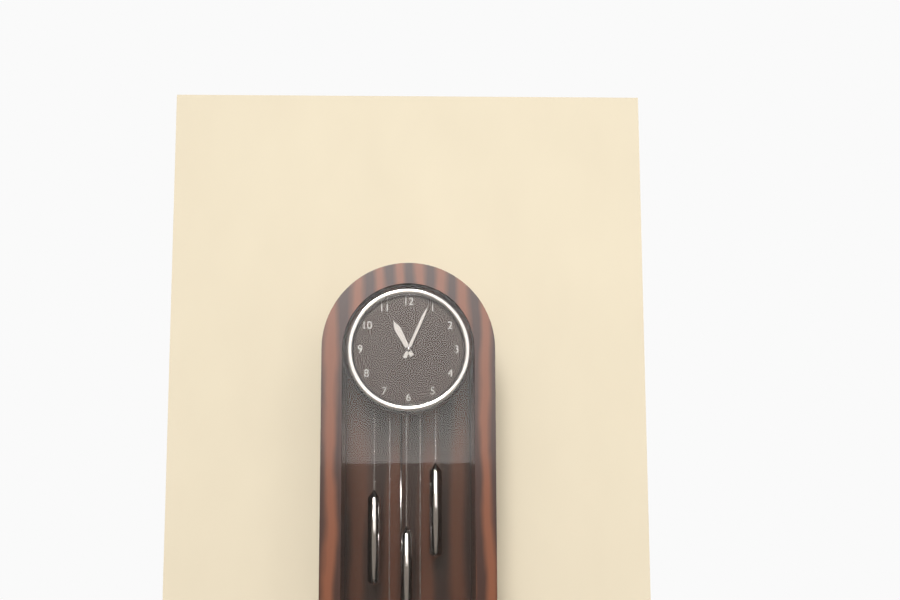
11:04
